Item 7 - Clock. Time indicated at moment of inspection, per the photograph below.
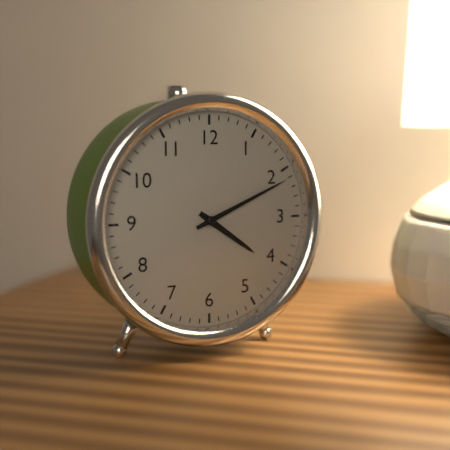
4:11
